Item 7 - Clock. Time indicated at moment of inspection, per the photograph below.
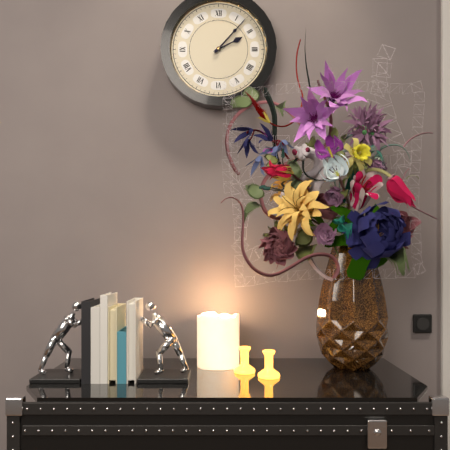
2:07
